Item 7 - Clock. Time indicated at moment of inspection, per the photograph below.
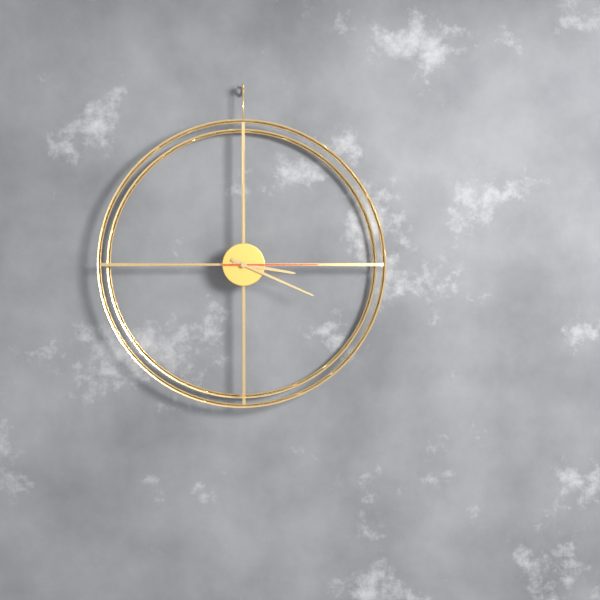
3:19:15
